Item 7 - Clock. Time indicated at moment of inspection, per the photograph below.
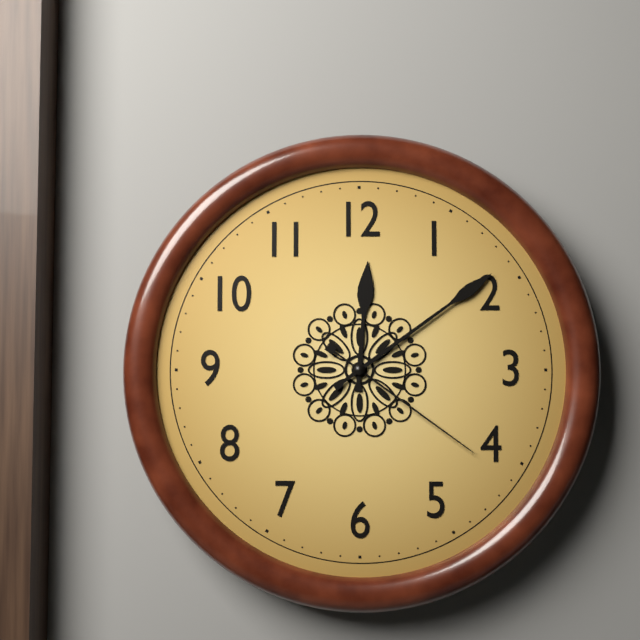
12:09:21
